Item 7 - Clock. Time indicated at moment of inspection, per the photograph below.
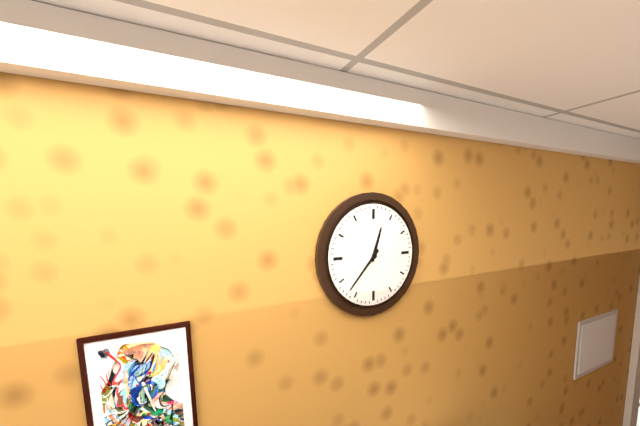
12:37
